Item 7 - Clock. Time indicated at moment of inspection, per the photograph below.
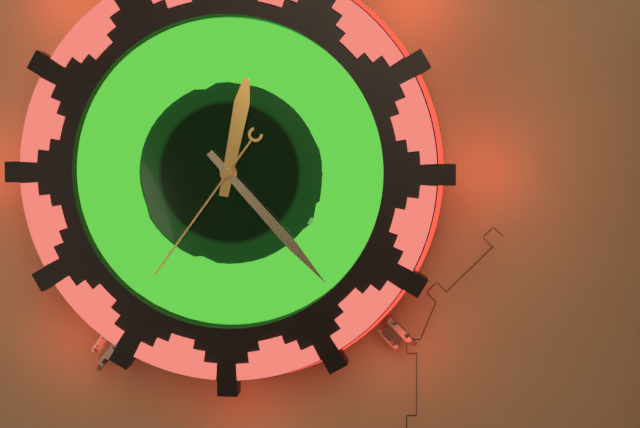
12:23:36
